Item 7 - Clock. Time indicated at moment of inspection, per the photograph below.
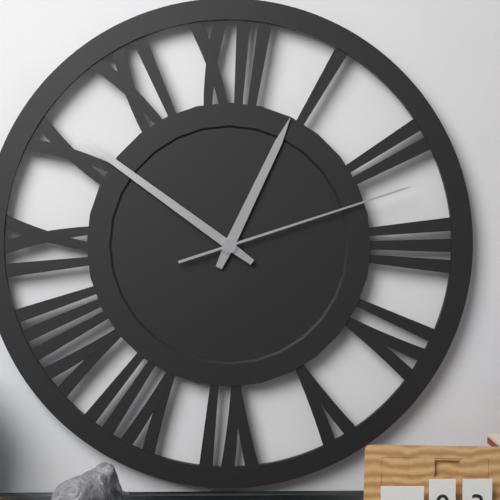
12:51:12
